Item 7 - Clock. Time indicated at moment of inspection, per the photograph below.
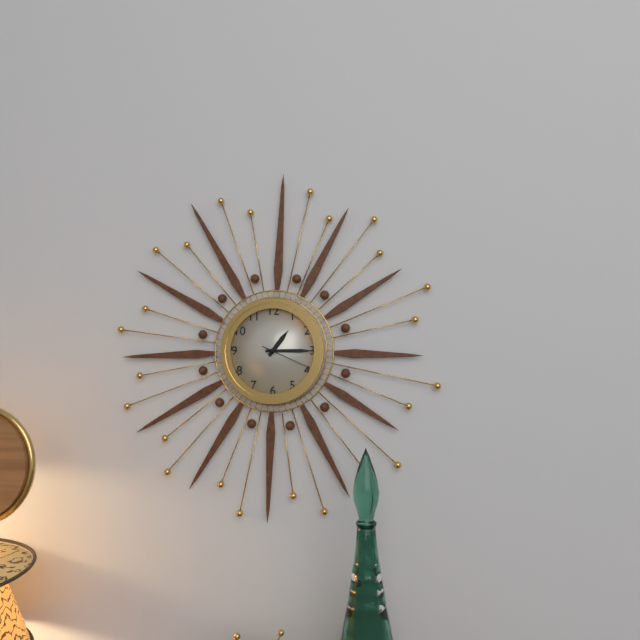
1:15:19
